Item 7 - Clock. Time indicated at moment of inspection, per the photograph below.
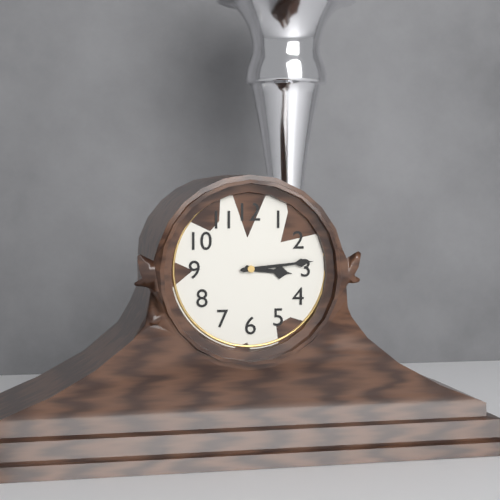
3:14
